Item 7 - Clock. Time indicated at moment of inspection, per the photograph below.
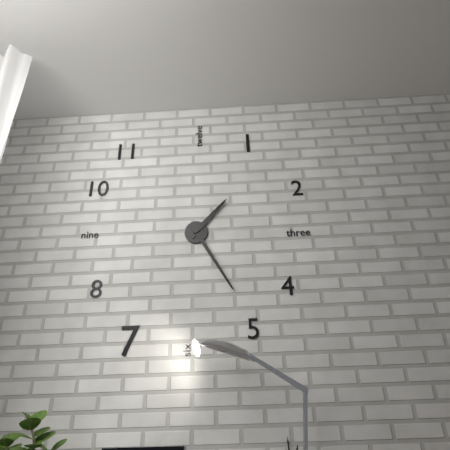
1:25
